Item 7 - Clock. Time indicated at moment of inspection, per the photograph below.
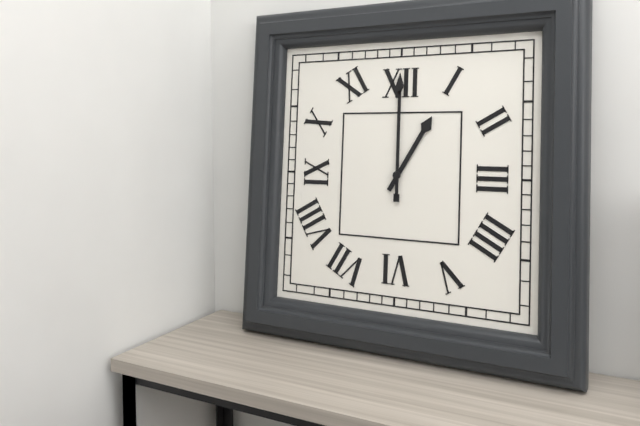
1:00
